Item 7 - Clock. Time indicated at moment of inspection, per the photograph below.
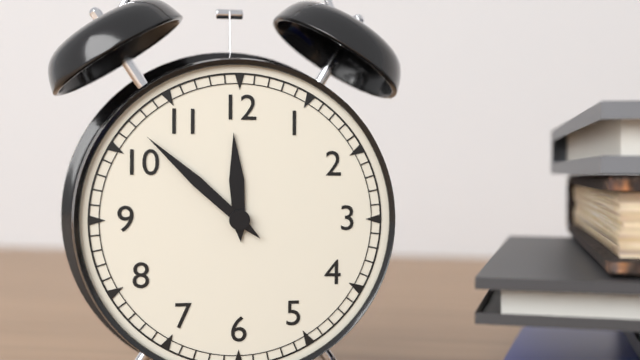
11:52
